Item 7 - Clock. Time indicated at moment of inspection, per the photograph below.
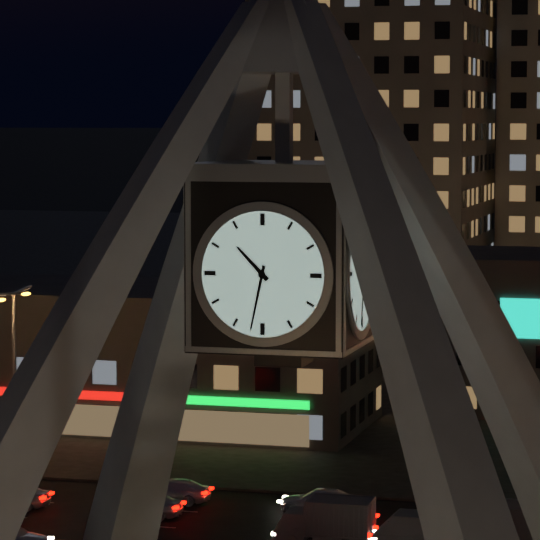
10:32
